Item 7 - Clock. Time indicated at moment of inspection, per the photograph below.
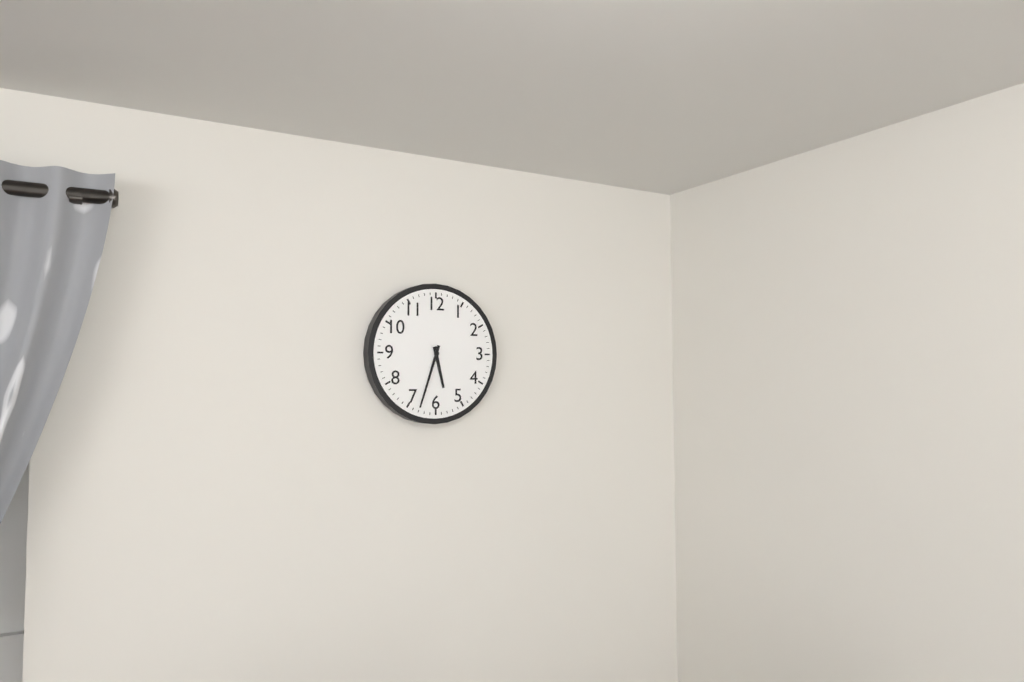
5:33
